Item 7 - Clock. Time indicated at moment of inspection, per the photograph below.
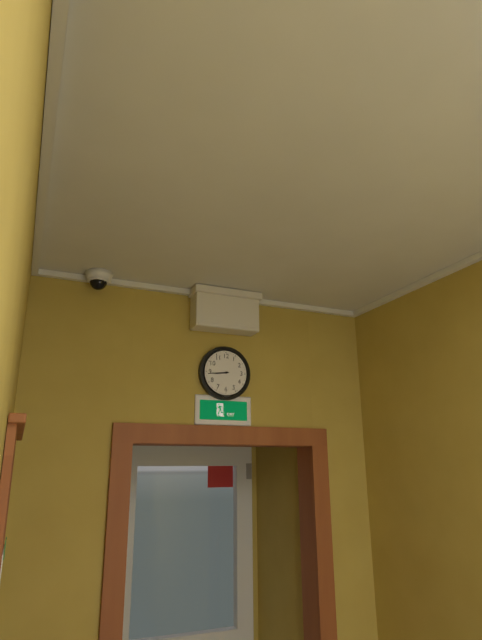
8:44
